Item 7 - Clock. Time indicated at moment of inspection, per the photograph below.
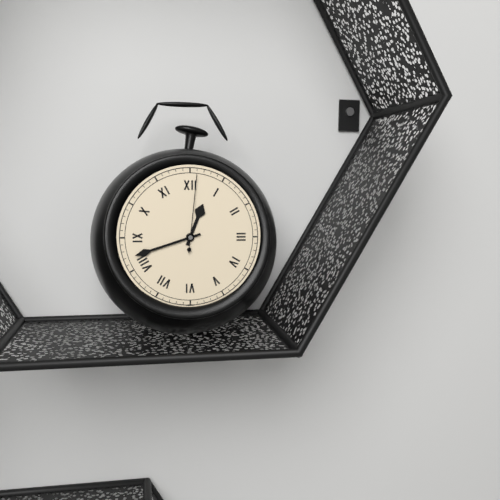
12:42:01
